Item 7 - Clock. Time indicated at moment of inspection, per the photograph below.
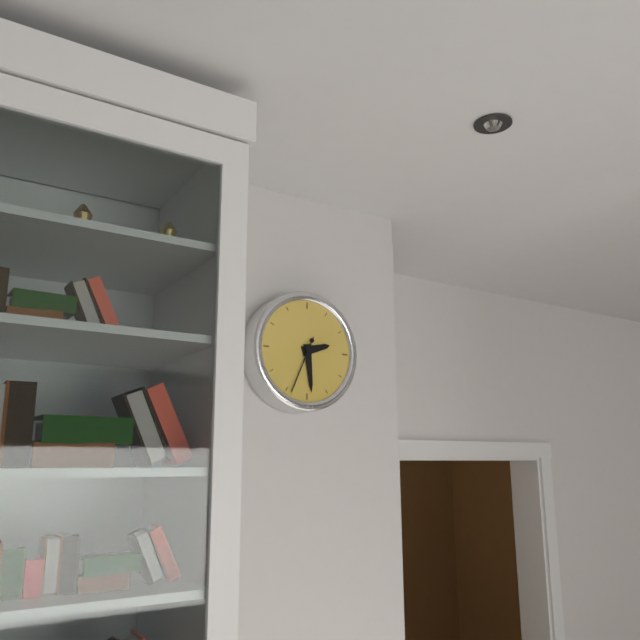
2:29:34
